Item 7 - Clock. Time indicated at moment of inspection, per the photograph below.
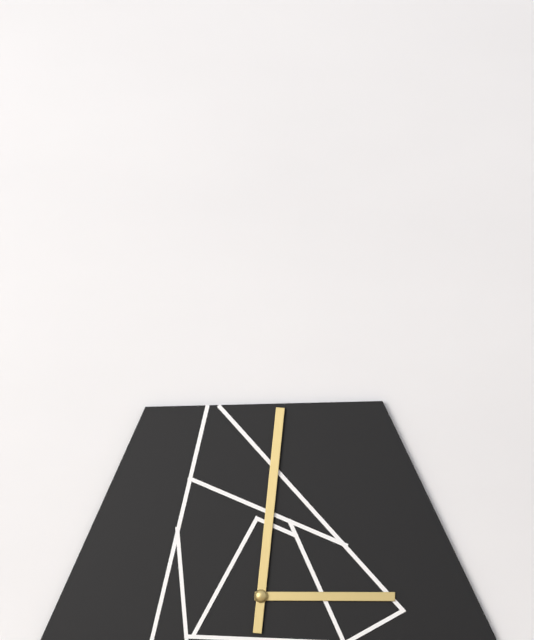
3:01
